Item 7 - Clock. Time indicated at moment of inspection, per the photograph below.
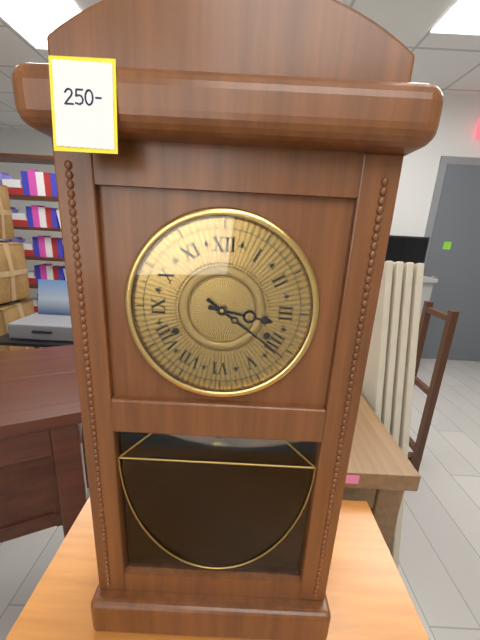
3:21
